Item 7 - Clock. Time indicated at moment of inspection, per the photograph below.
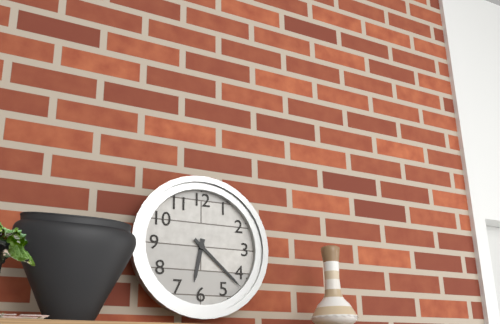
6:22
